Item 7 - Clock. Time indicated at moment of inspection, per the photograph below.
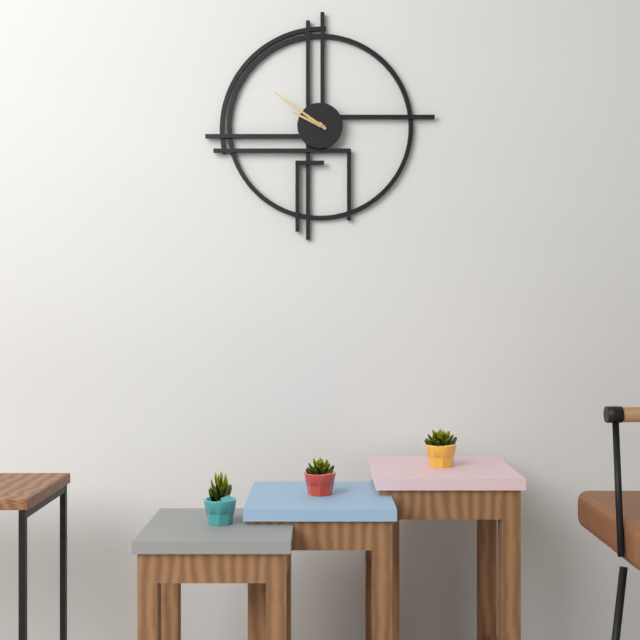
9:51
